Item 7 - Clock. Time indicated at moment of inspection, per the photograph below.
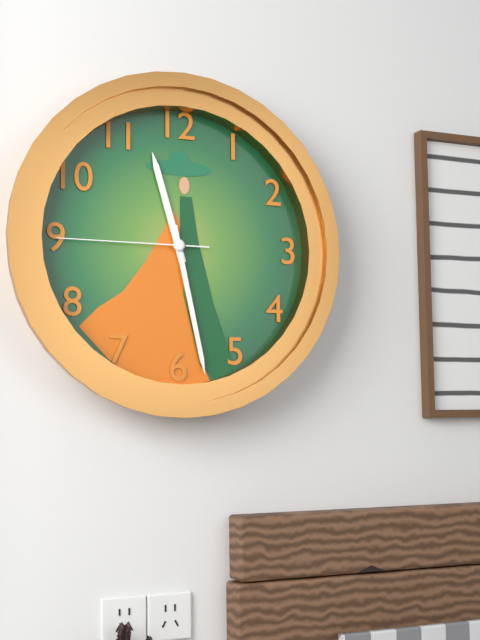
11:28:45
